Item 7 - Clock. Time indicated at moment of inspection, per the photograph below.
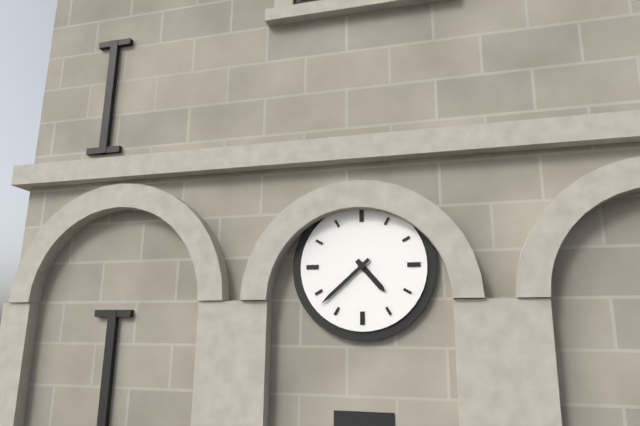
4:38
